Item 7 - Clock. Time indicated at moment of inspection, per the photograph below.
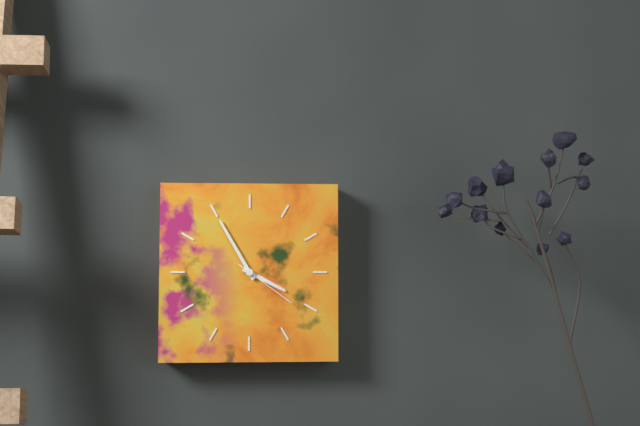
3:55:21
